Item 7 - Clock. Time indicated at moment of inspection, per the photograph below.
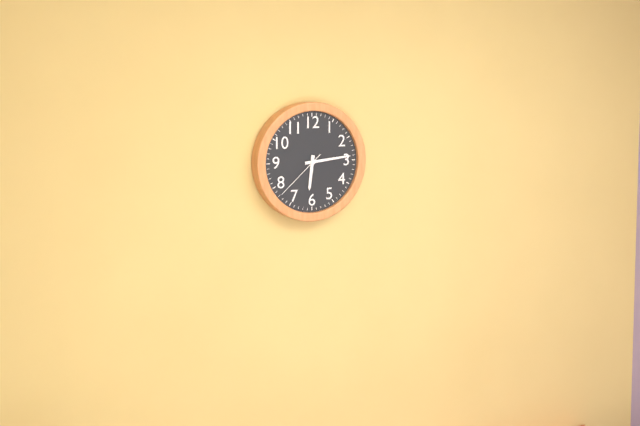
6:14:38
